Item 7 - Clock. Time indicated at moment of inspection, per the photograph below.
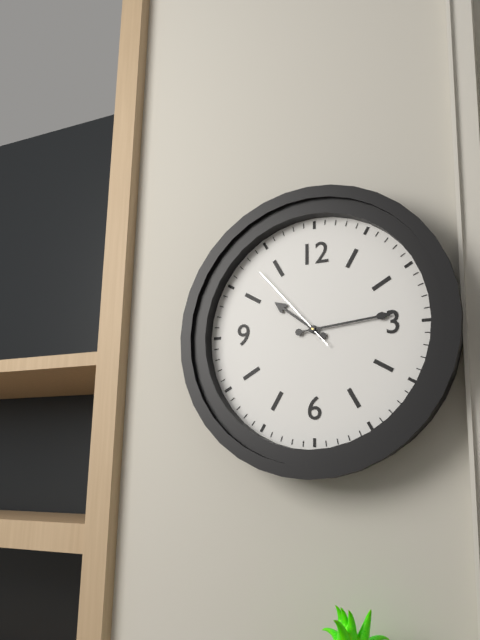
10:14:53
